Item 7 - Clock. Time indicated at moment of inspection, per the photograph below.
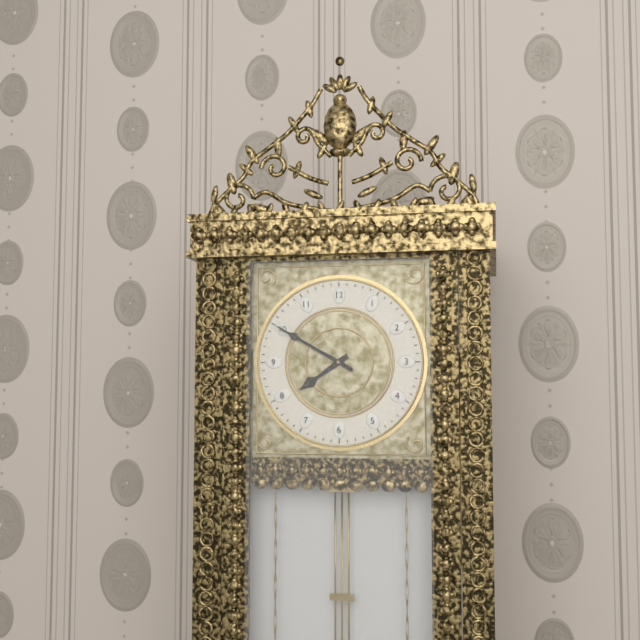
7:50
